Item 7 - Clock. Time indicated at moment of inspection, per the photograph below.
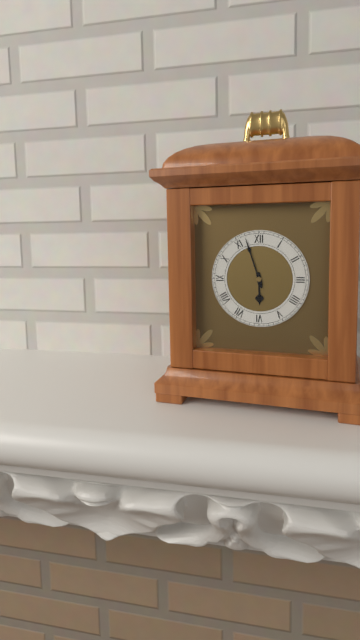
5:57
